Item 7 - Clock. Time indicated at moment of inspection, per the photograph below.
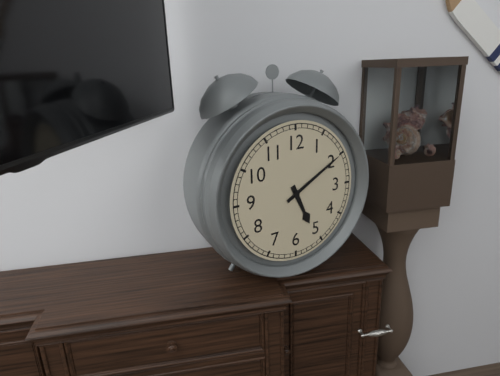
5:10
